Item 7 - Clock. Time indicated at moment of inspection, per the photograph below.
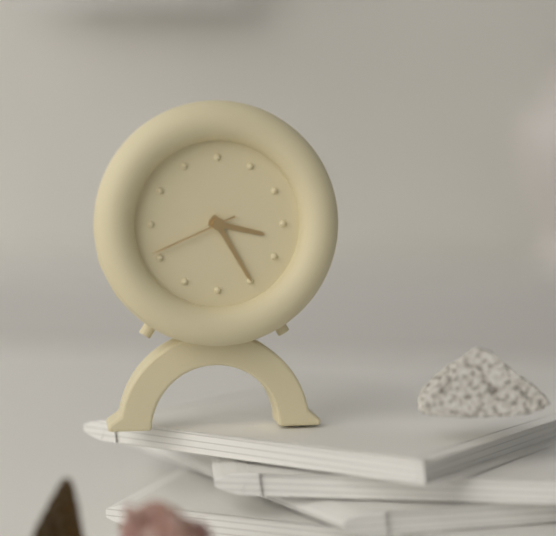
3:25:41
